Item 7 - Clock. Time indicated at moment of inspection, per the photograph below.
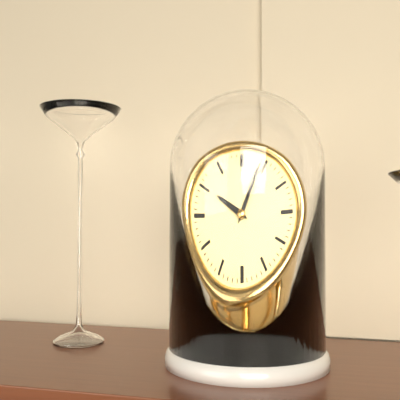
10:04
